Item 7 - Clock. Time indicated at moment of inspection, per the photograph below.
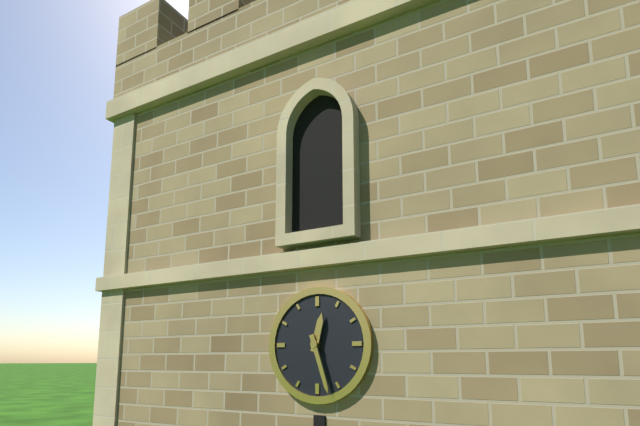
12:27
